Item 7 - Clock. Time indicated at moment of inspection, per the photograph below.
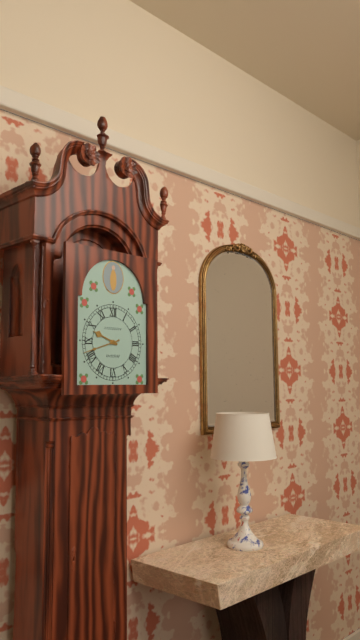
9:42
